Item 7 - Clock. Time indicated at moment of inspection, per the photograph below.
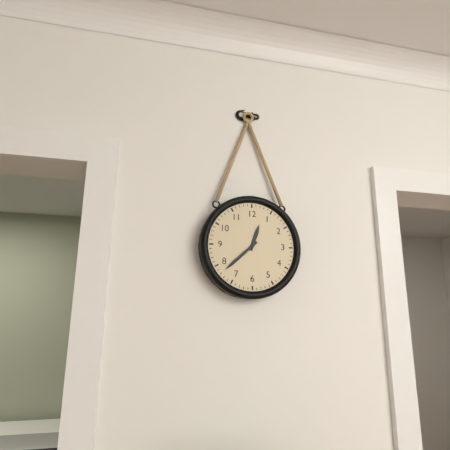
12:38
